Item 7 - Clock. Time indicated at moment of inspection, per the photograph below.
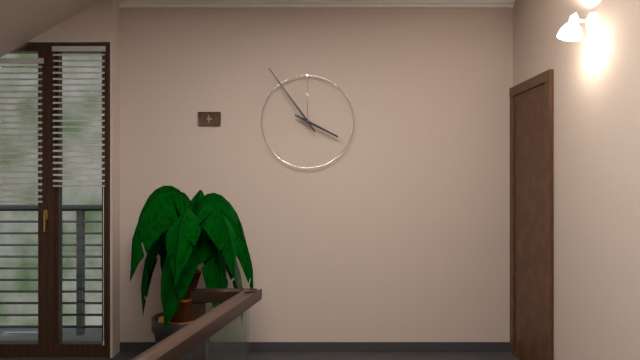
3:54
